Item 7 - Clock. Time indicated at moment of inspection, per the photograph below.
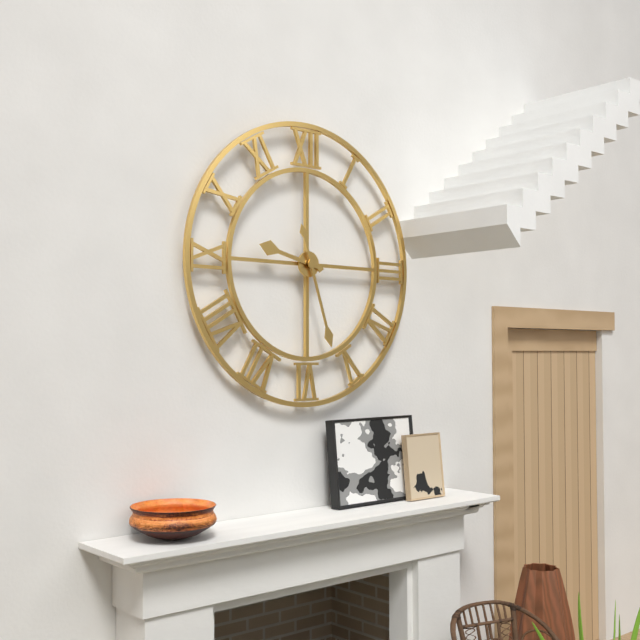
9:27
